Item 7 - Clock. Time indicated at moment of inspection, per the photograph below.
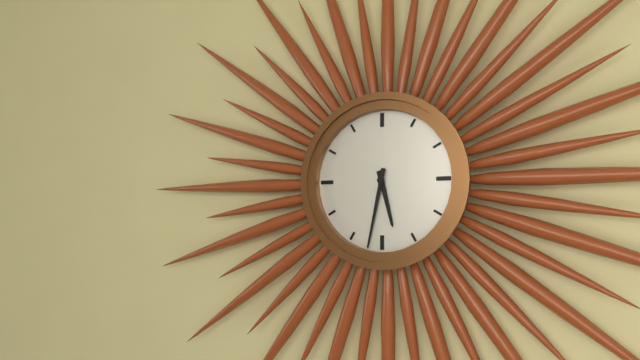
5:32
